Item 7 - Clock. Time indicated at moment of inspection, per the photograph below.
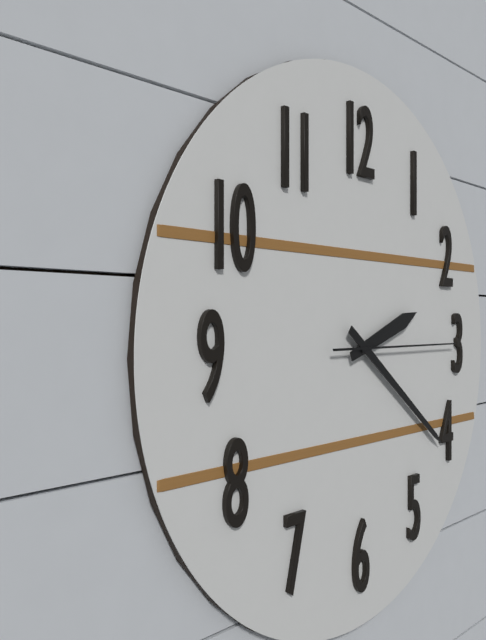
2:21:15
